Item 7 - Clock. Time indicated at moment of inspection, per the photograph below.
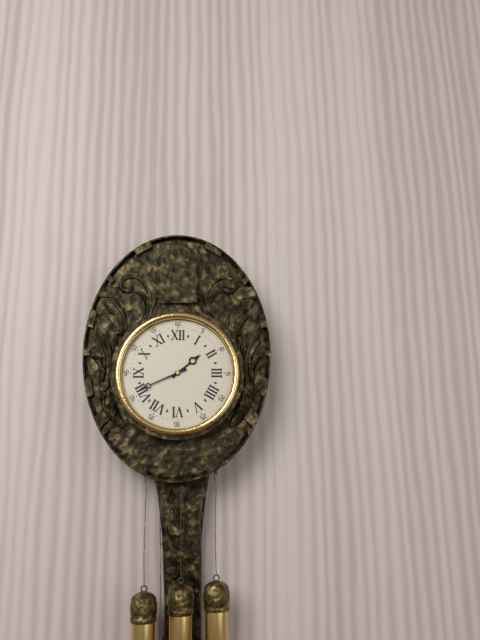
1:41
